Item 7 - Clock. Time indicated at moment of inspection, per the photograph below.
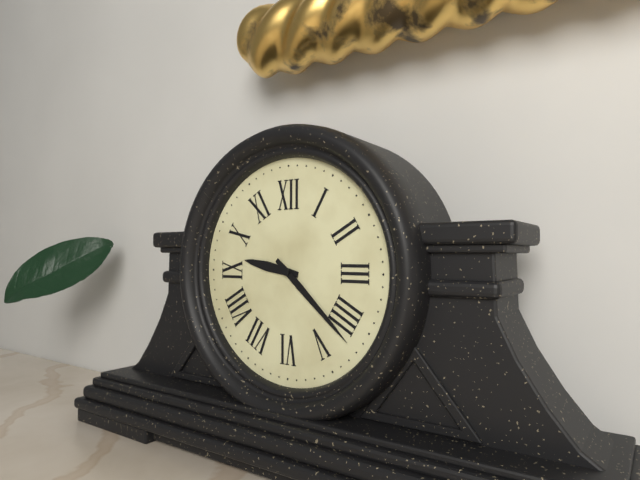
9:22
